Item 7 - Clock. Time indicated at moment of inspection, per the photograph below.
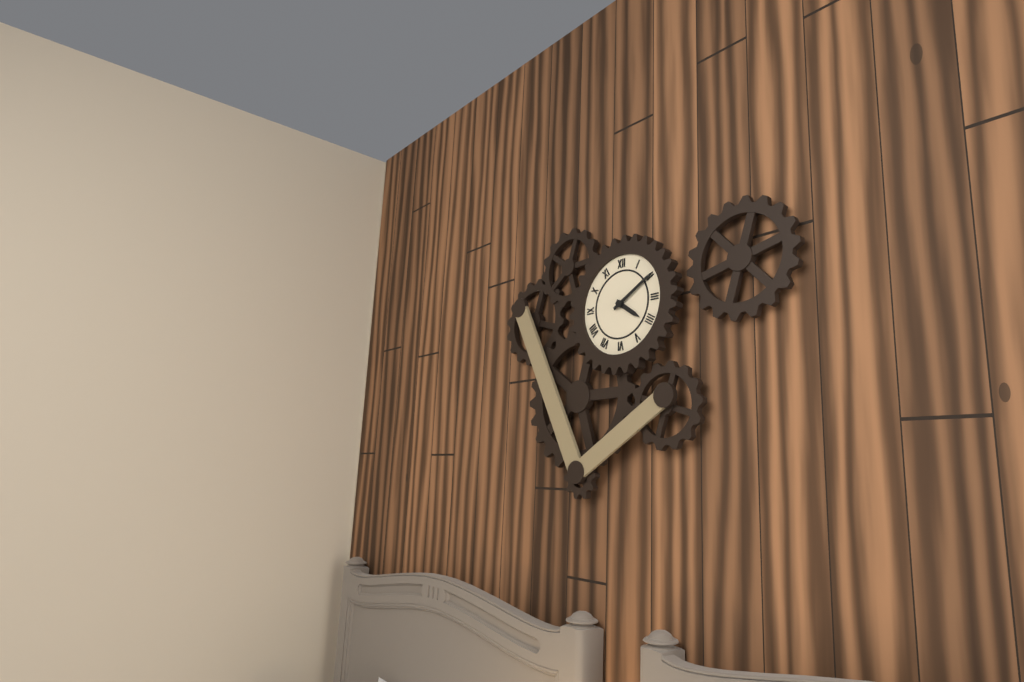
4:10
